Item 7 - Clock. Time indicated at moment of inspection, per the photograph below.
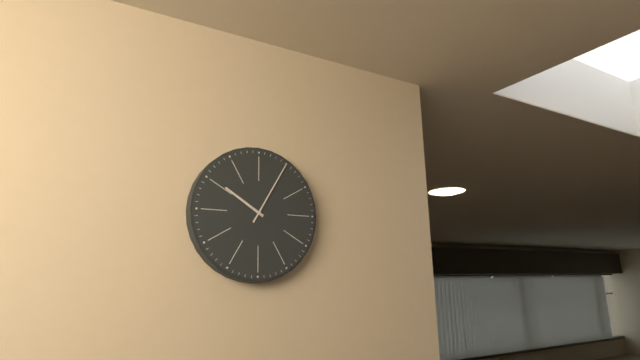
10:05
